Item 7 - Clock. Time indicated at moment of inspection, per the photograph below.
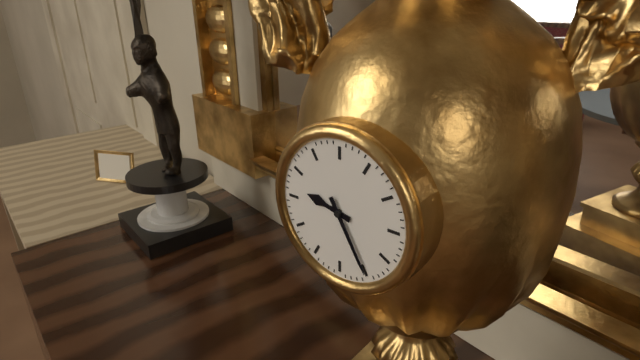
9:25
